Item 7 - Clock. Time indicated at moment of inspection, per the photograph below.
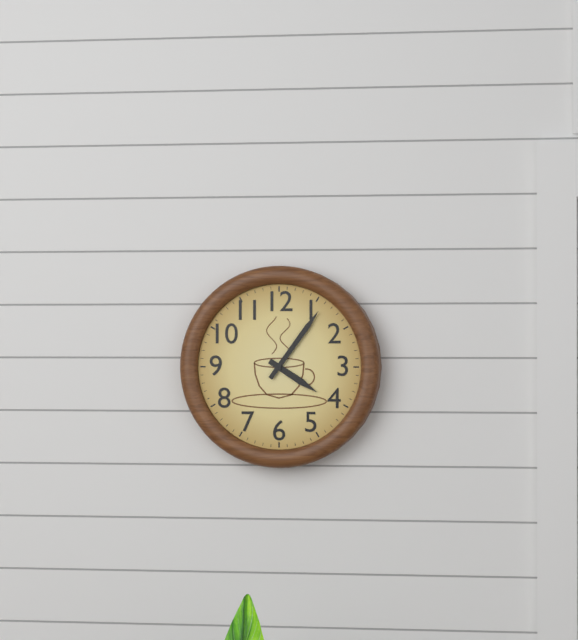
4:06
